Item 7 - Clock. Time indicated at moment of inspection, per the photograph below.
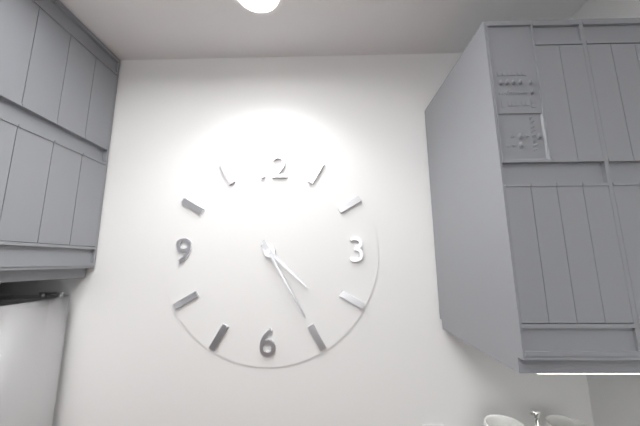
4:25
